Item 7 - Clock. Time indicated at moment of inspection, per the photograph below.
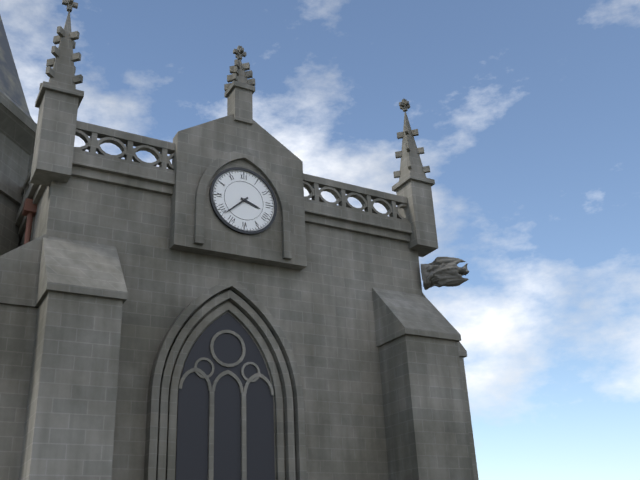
3:38
